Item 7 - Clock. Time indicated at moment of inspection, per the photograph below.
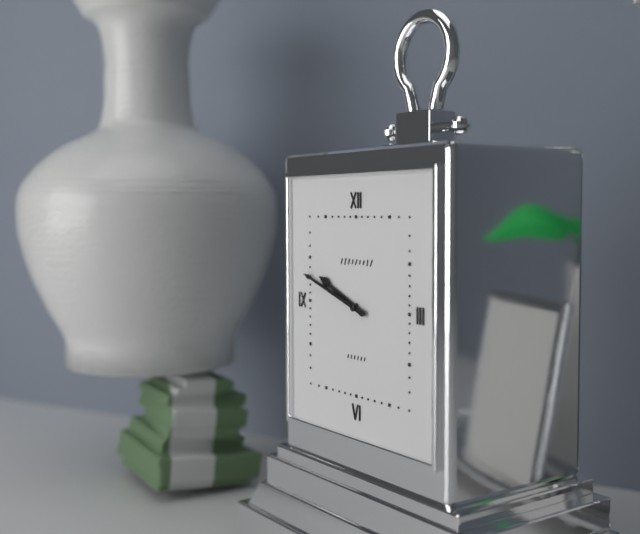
9:48
